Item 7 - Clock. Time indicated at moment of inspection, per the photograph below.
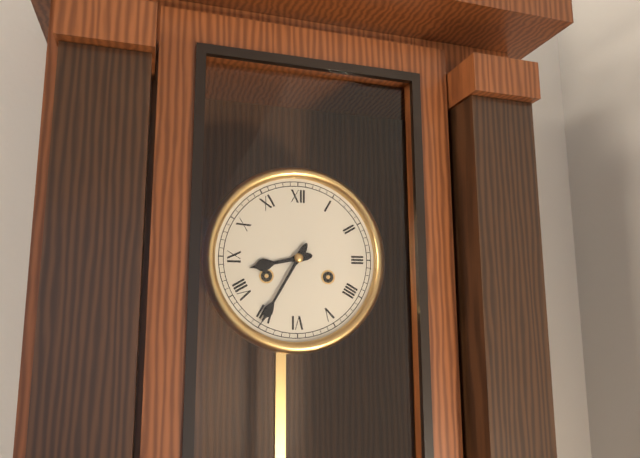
8:35
